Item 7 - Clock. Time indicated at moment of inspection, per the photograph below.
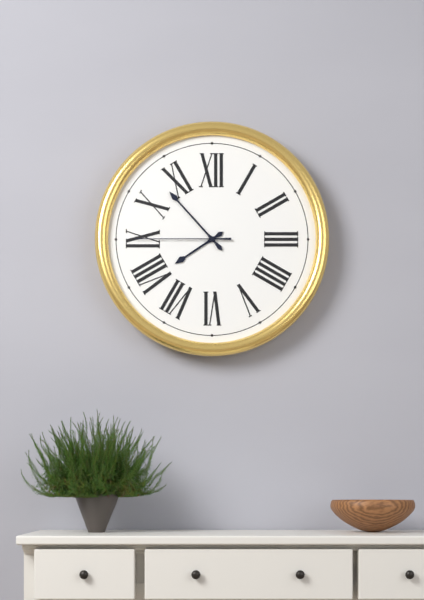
7:53:45
